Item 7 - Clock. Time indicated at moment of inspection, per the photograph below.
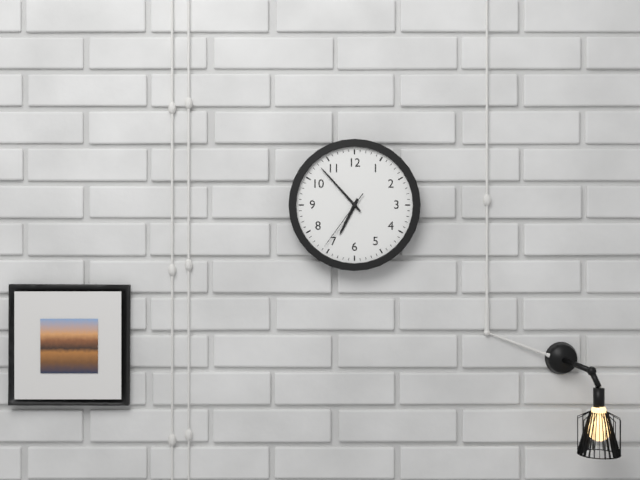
6:53:36
